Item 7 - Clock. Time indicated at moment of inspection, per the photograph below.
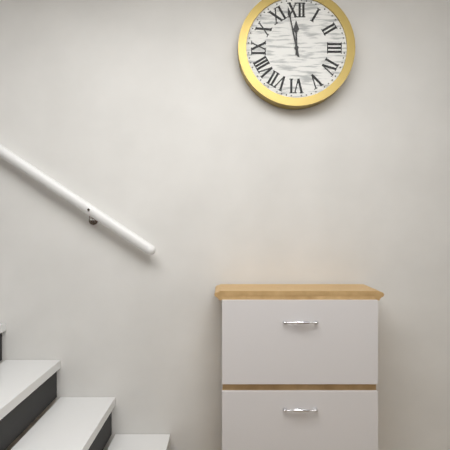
11:58
